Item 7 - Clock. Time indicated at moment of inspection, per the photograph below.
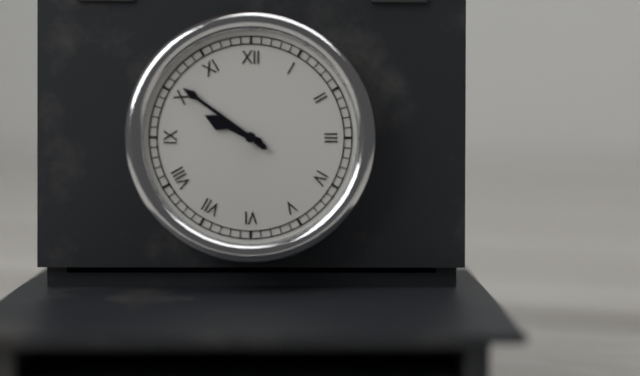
9:51
